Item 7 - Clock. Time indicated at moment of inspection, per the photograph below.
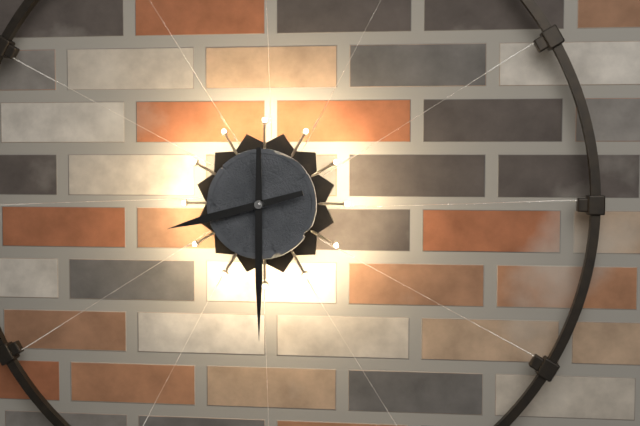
8:30
